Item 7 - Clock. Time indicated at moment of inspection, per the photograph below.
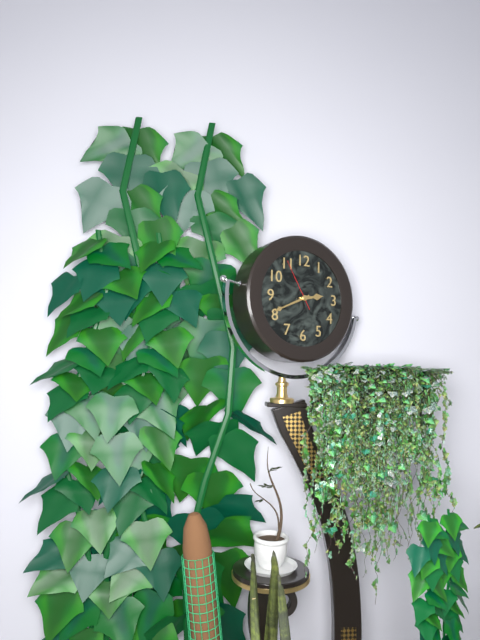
2:41:55
